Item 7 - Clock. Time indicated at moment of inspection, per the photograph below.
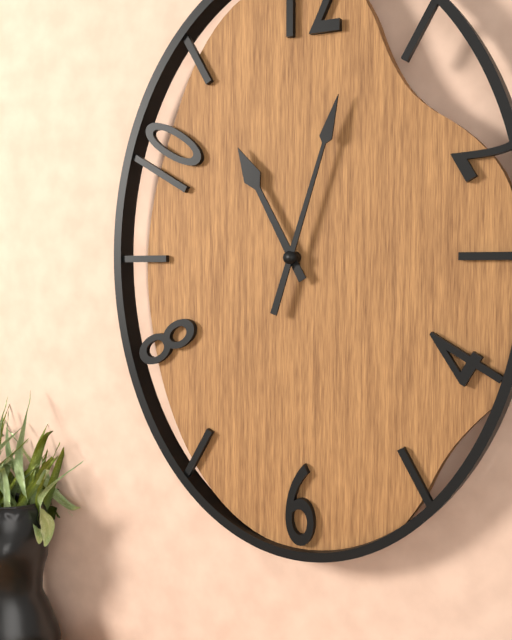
11:03
